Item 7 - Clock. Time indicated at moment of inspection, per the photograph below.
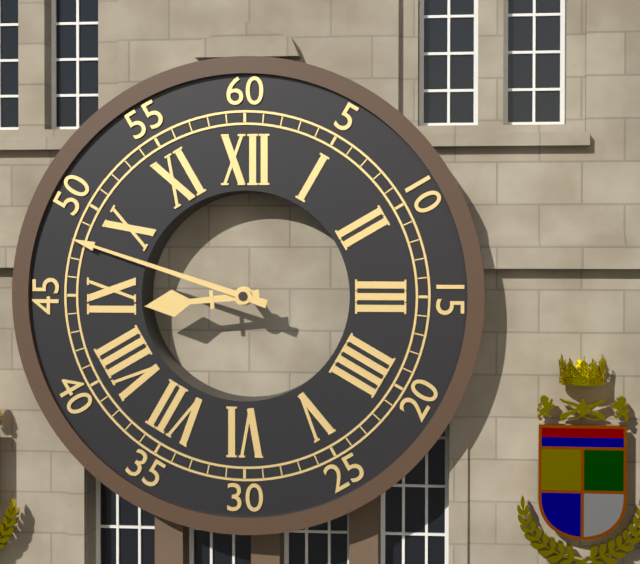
8:48
